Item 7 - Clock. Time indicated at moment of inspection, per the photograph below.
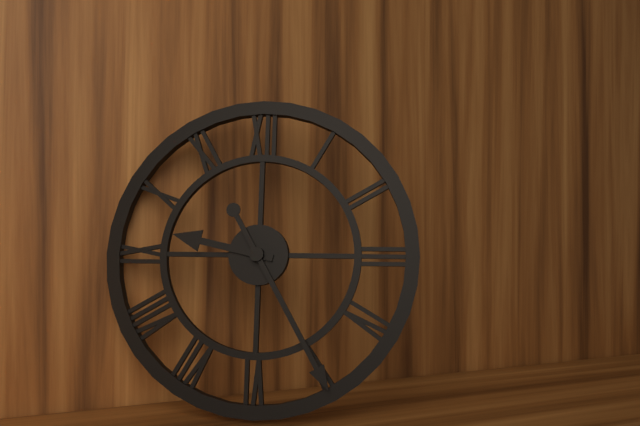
9:25
